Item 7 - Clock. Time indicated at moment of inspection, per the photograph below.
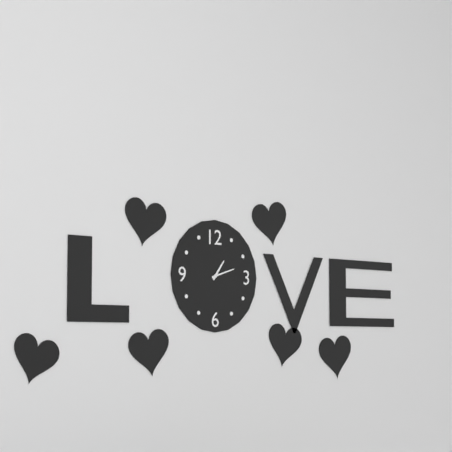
1:12
